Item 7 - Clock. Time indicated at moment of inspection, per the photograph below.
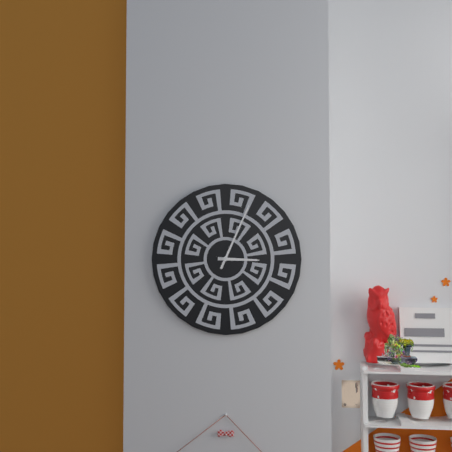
3:04
